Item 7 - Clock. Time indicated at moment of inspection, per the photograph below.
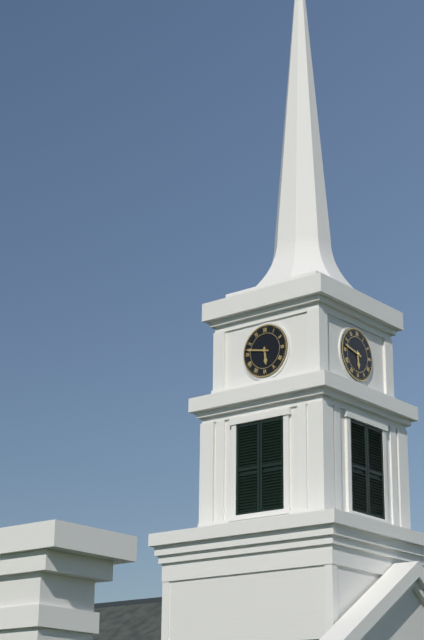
5:47
